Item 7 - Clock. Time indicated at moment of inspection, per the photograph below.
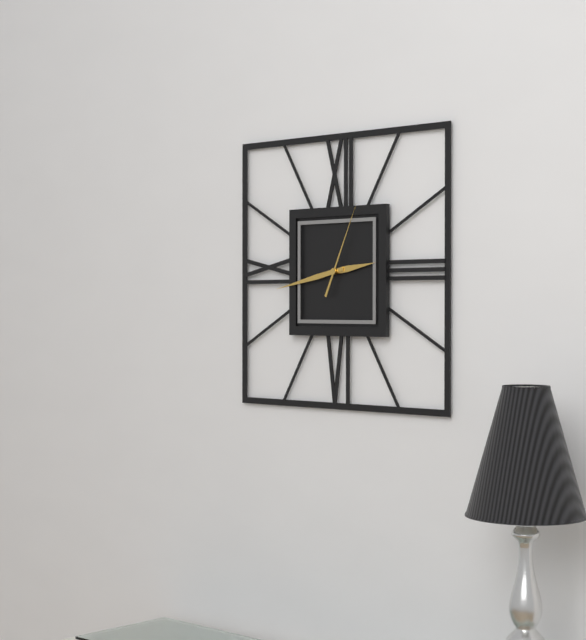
2:43:04
